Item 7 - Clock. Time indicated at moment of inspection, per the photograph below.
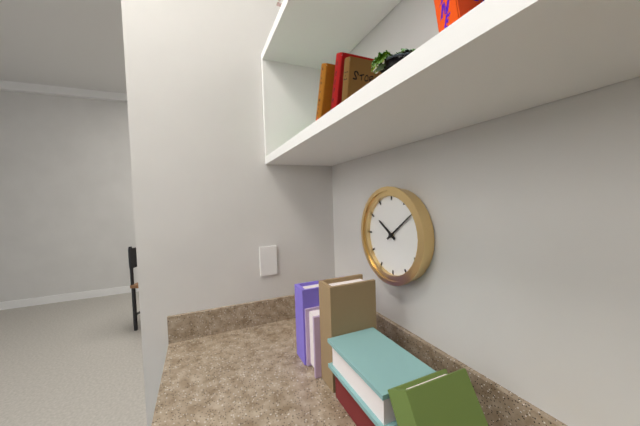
10:09
